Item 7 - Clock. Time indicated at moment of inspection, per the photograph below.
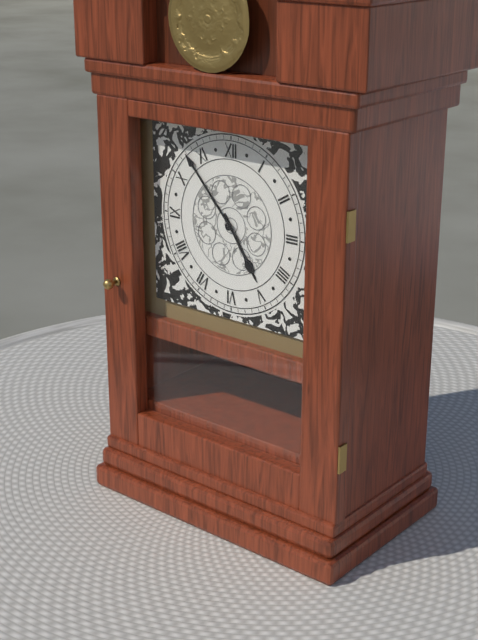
4:53
